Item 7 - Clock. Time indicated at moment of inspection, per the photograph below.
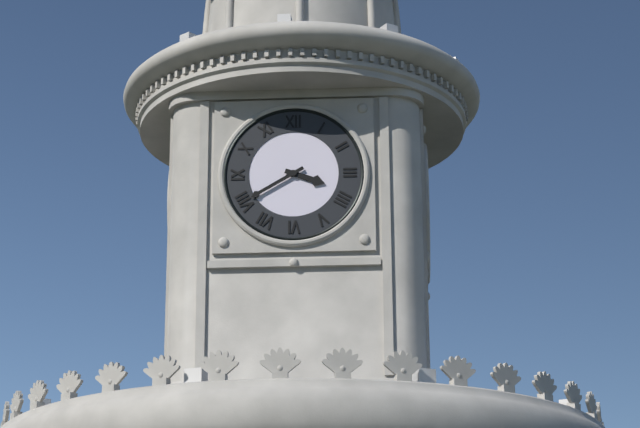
3:40
